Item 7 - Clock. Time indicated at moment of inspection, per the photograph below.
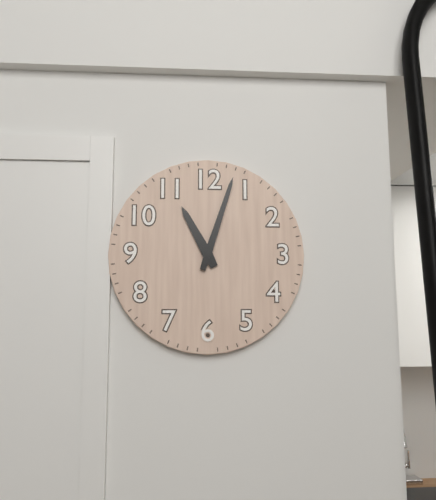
11:03
